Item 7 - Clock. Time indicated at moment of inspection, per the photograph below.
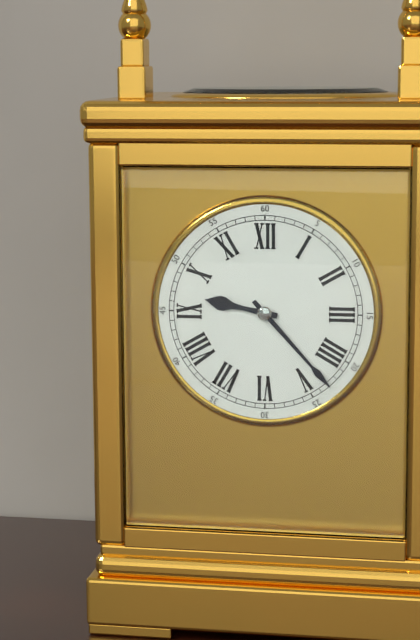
9:23
